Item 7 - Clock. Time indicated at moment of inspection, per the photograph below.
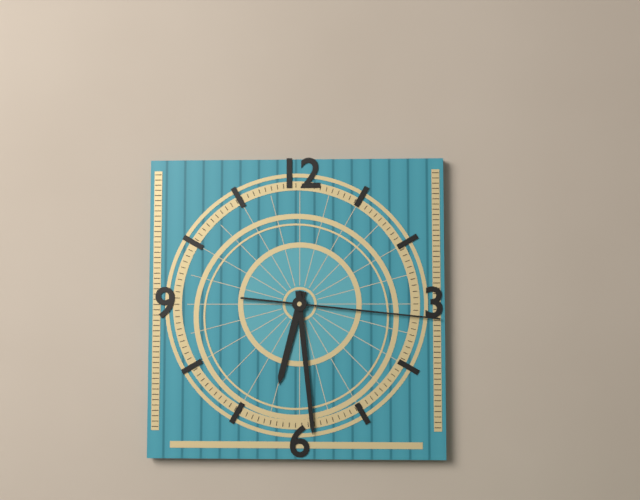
6:29:16
